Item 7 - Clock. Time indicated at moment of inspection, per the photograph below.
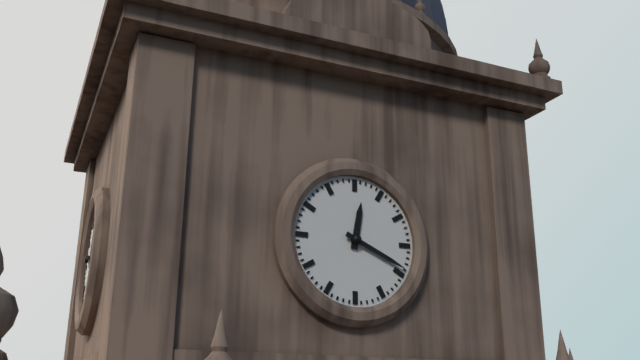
12:19
